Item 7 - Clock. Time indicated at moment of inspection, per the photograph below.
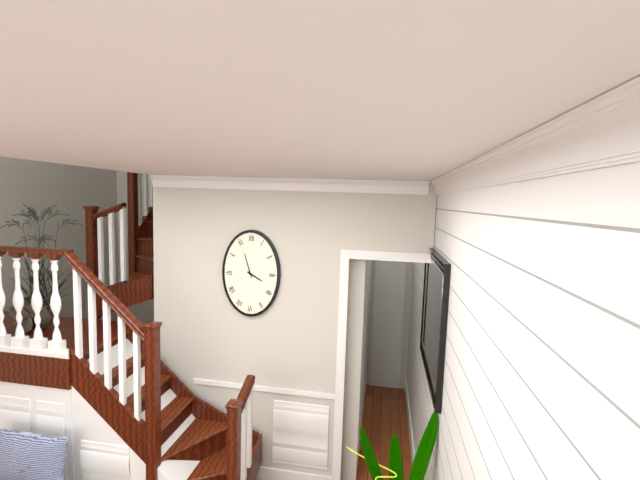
3:57
